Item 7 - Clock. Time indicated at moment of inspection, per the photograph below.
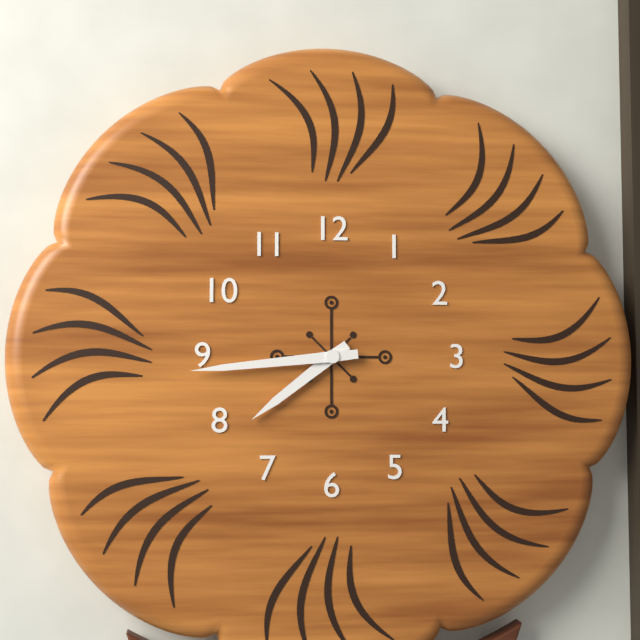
7:44
